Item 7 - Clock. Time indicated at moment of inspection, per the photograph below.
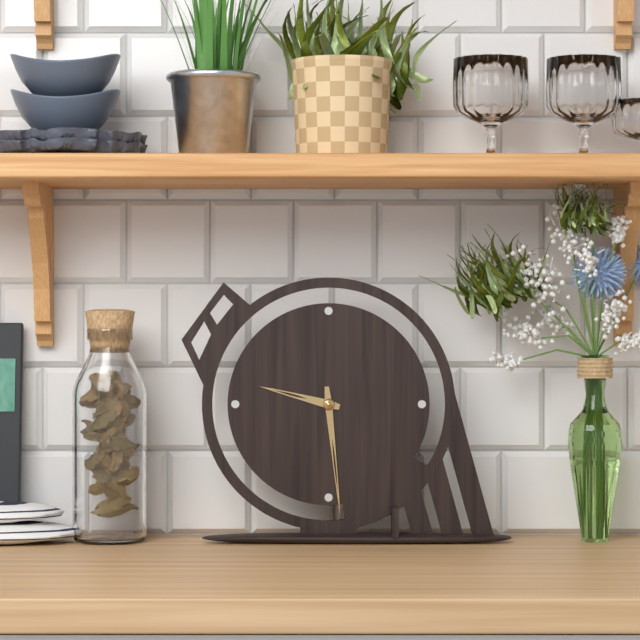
9:29
